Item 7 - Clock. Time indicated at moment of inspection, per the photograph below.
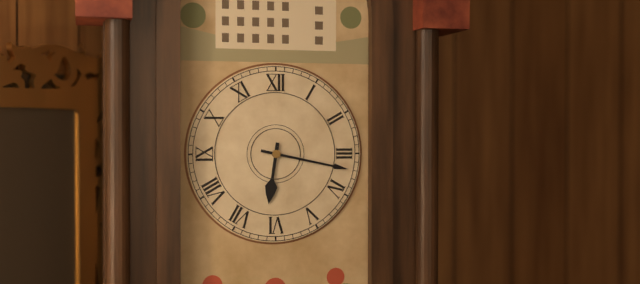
6:17
